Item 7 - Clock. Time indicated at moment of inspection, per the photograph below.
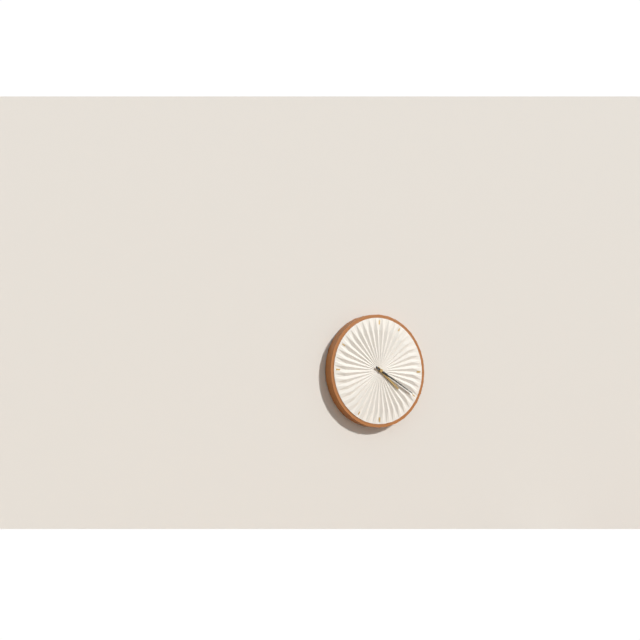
4:20
